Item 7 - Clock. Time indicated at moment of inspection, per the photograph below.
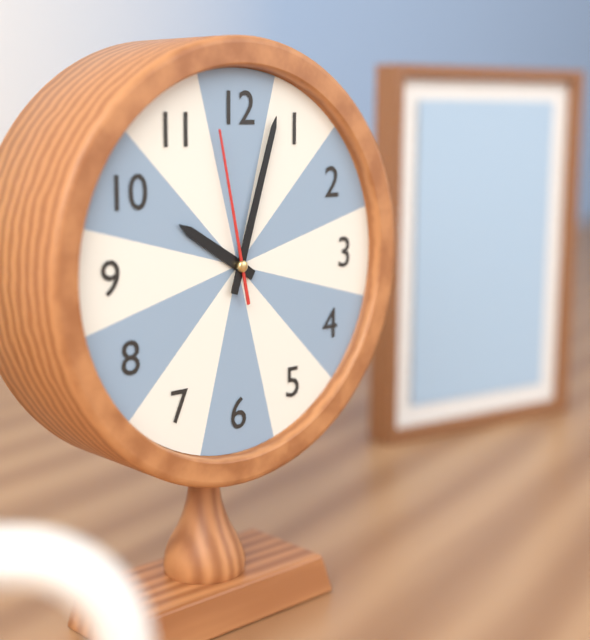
10:03:58
